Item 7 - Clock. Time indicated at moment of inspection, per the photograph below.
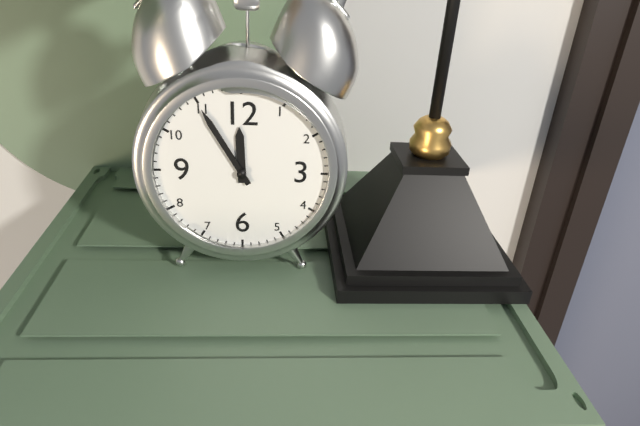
11:55
